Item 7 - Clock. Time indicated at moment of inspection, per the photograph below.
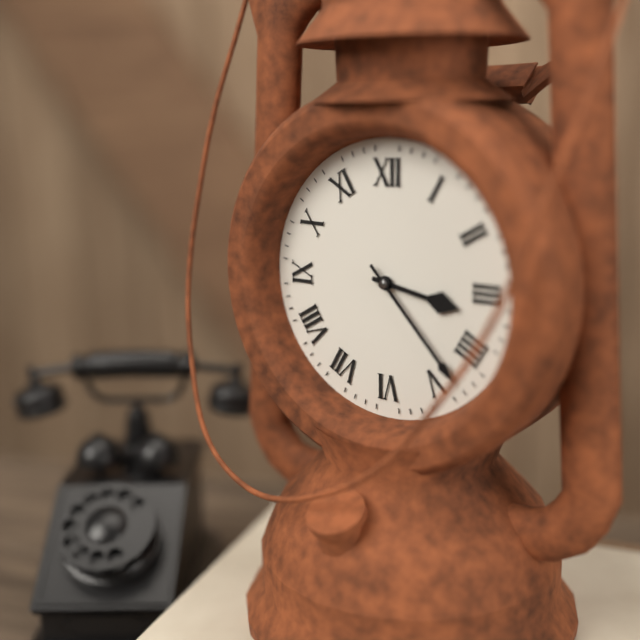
3:23
